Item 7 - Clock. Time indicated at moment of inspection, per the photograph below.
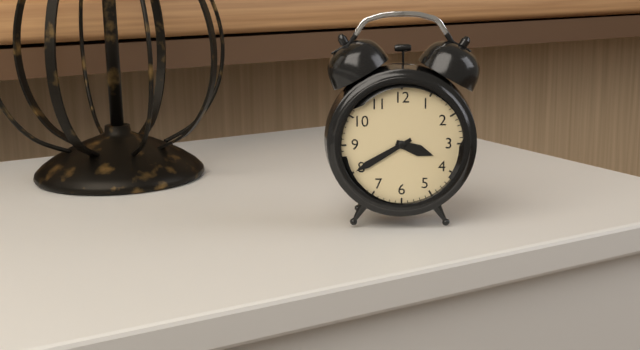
3:40
